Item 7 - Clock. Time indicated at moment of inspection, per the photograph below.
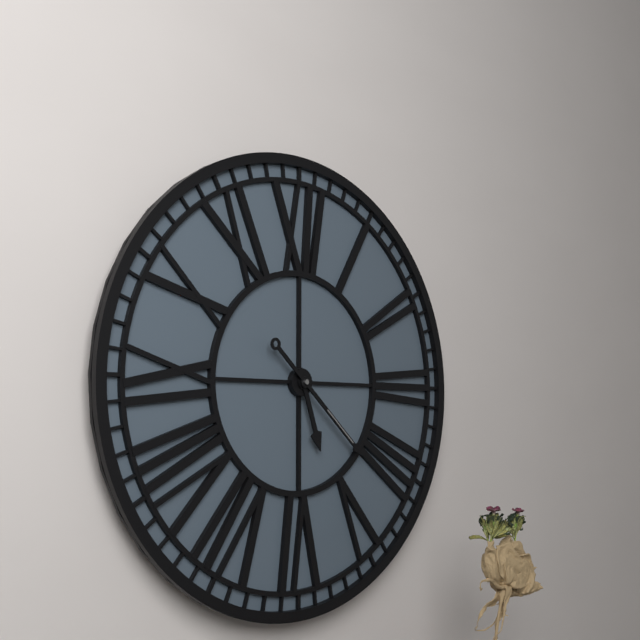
5:22
